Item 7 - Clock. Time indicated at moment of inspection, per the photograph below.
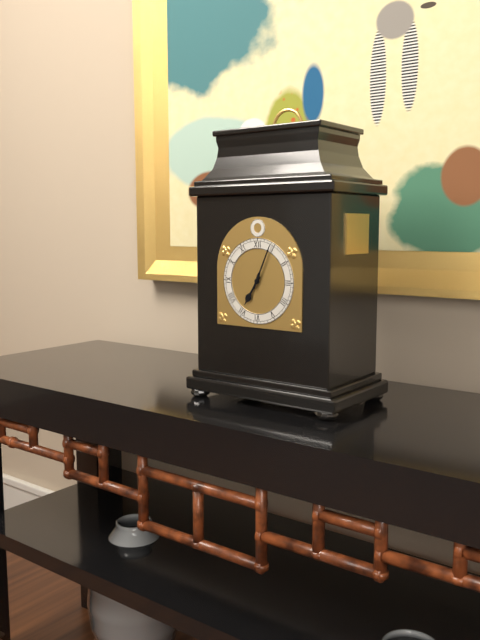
7:04
